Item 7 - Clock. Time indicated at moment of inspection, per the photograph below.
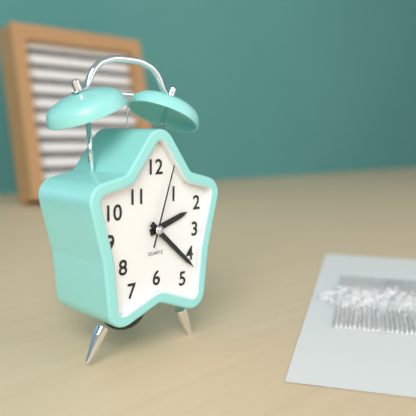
2:22:03
